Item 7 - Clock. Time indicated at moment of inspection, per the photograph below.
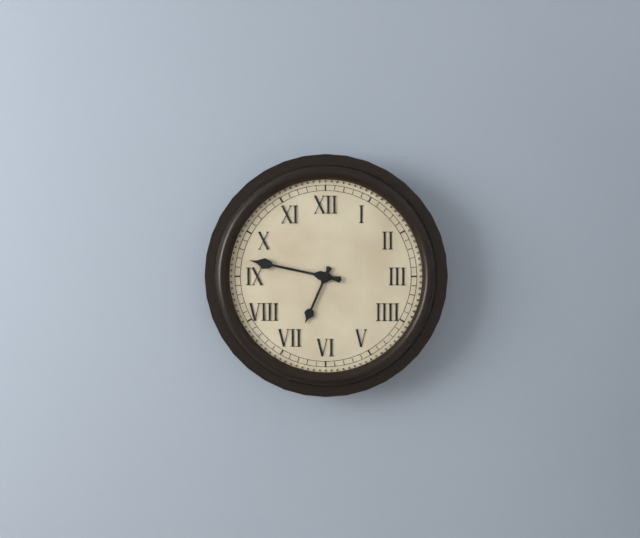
6:47
